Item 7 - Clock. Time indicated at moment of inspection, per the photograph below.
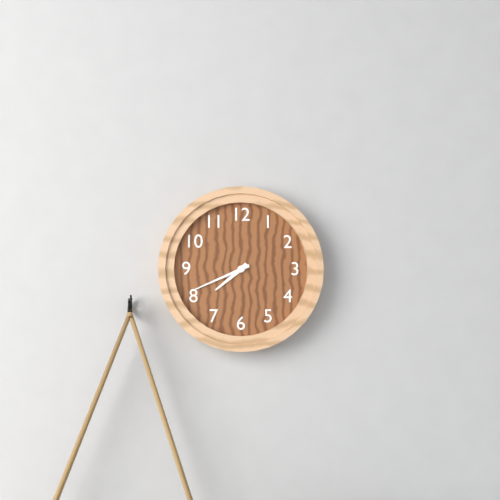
7:41
